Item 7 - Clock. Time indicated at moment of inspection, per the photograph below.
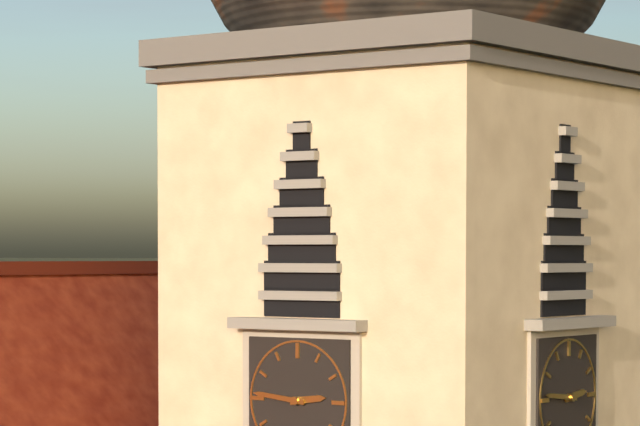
2:46
